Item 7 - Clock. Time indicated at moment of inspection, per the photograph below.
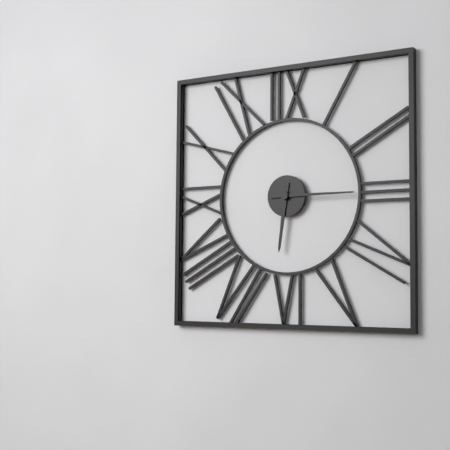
6:15
